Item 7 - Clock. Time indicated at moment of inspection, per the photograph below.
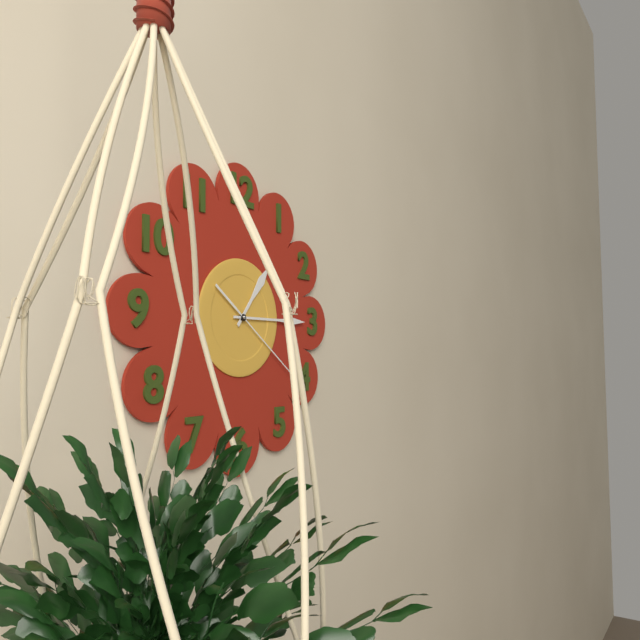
1:15:21
